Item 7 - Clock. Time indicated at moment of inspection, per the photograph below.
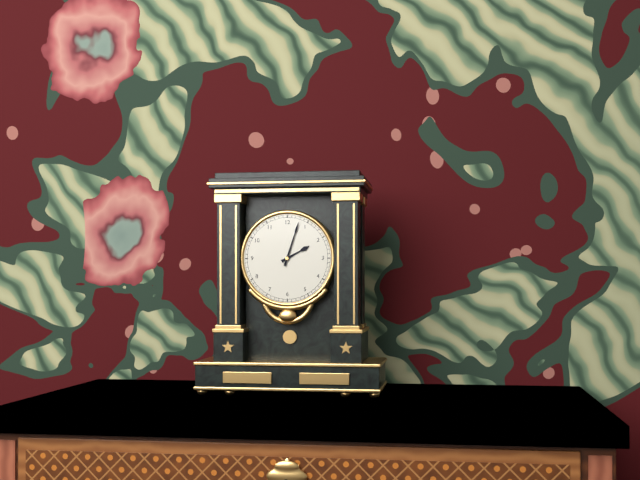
2:03
